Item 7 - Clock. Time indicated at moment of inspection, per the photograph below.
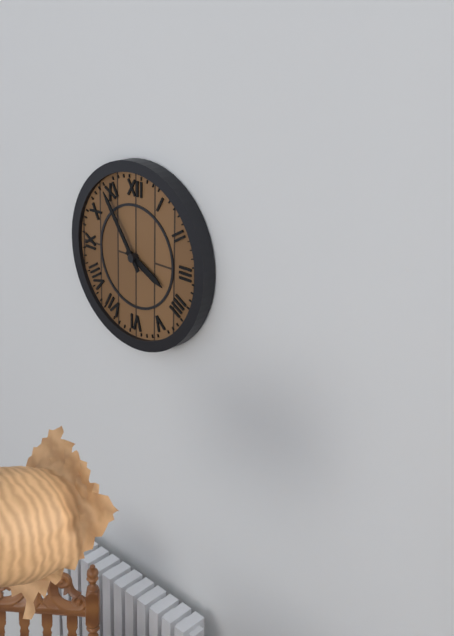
3:54
